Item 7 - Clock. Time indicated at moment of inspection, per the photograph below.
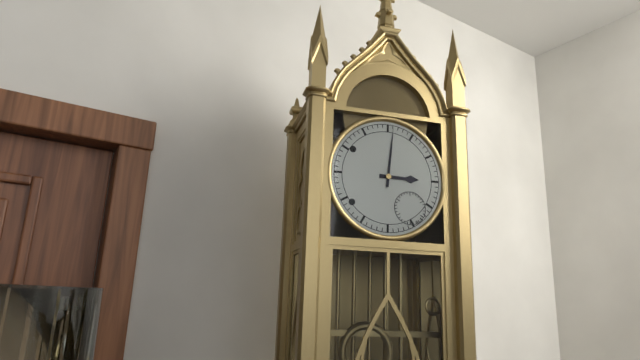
3:01
